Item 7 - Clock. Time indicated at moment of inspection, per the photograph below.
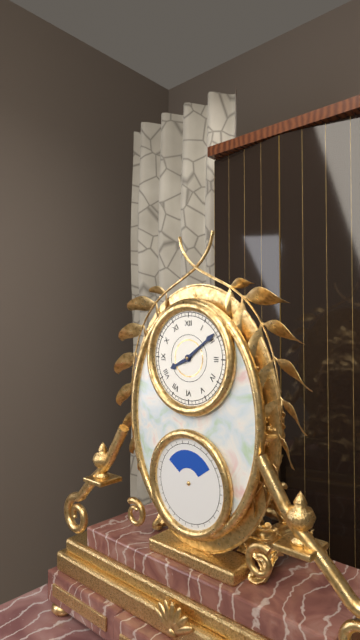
8:09
